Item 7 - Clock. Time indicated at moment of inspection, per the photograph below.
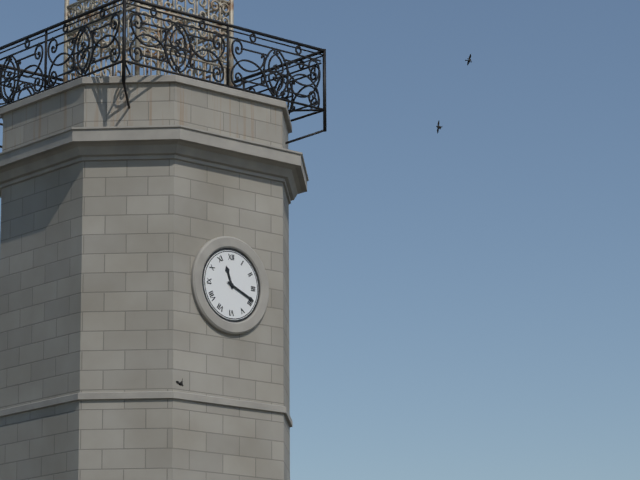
11:19
